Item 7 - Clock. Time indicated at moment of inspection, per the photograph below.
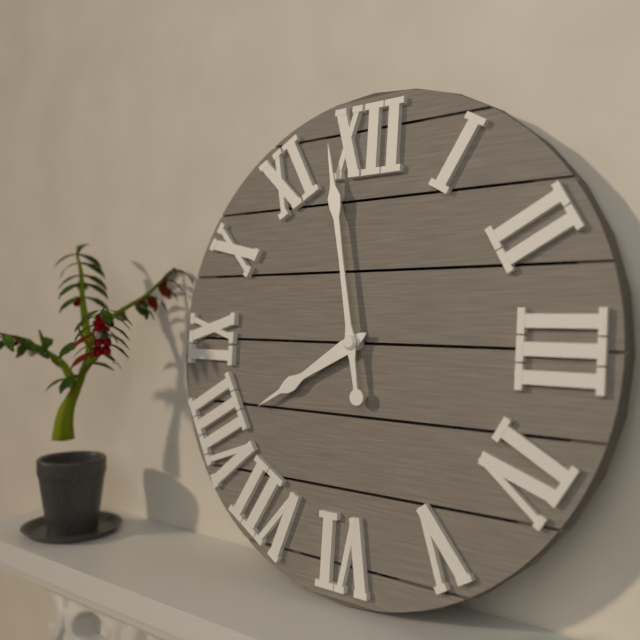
7:58
